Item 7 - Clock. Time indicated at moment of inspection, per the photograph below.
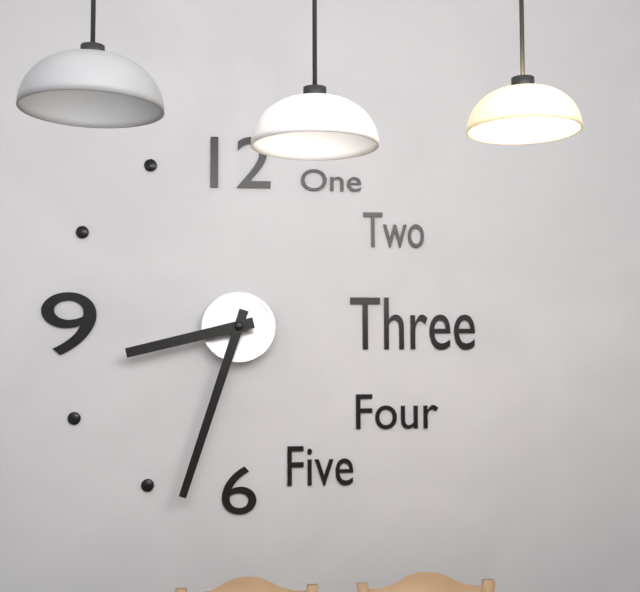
8:33
